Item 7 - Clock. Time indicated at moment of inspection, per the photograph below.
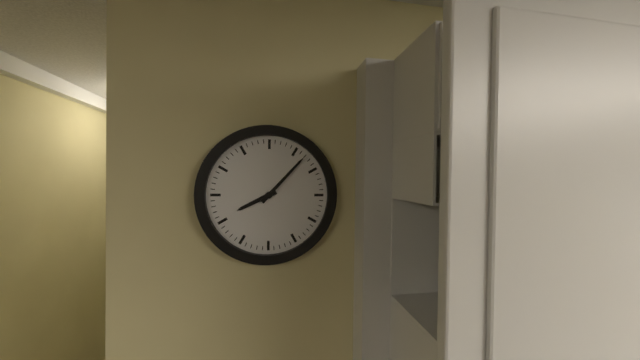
8:07
